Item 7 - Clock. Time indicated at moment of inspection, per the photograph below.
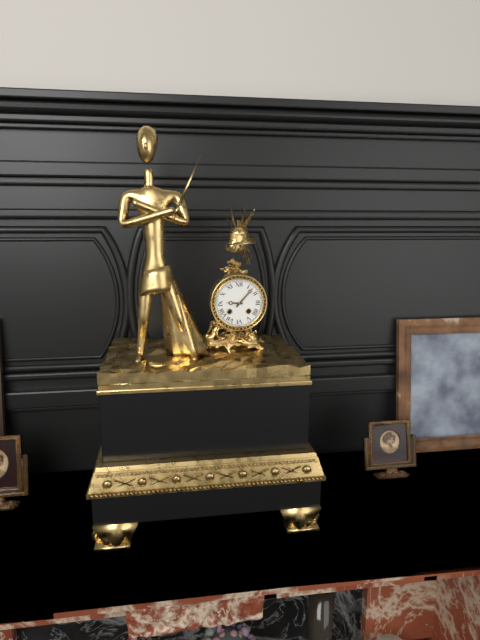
9:07
